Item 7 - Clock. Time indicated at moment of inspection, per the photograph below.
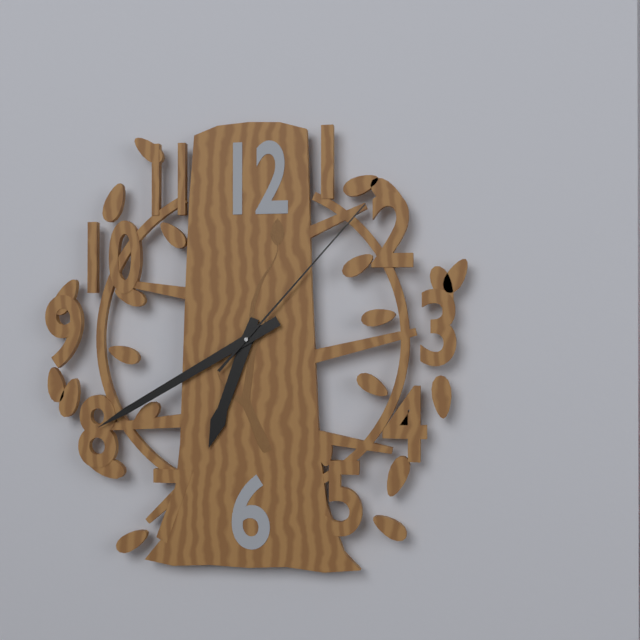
6:40:07
